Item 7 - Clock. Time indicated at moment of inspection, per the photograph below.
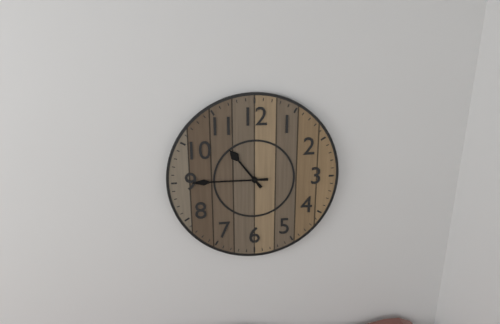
10:45
